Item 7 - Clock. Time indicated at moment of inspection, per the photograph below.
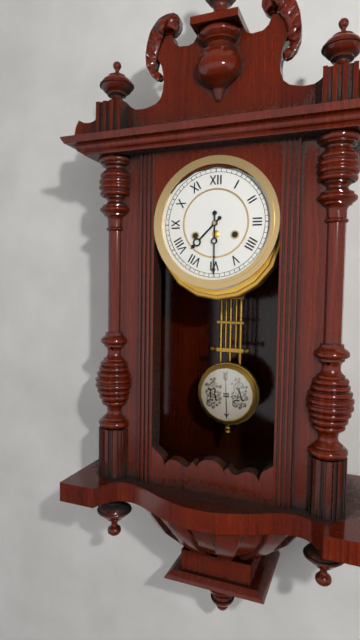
7:30
